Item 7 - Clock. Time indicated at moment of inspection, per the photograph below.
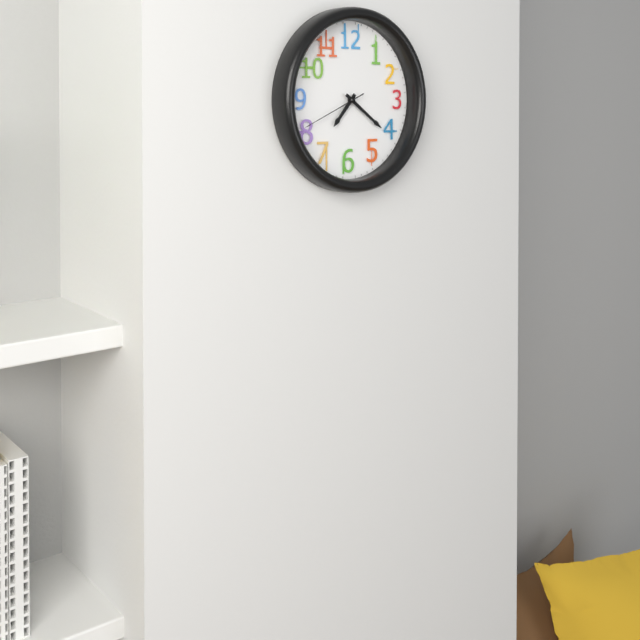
7:21:41
